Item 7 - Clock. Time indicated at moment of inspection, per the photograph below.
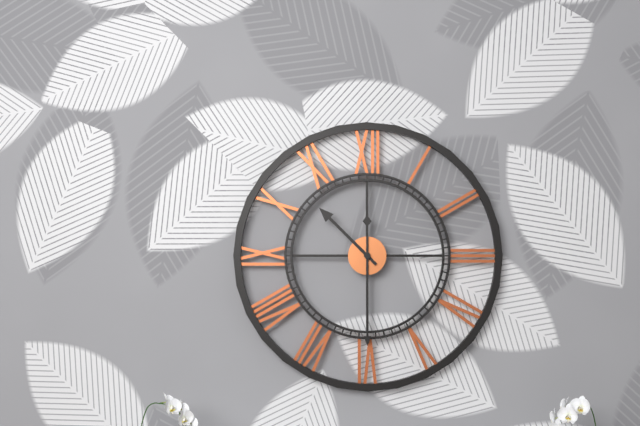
10:30
